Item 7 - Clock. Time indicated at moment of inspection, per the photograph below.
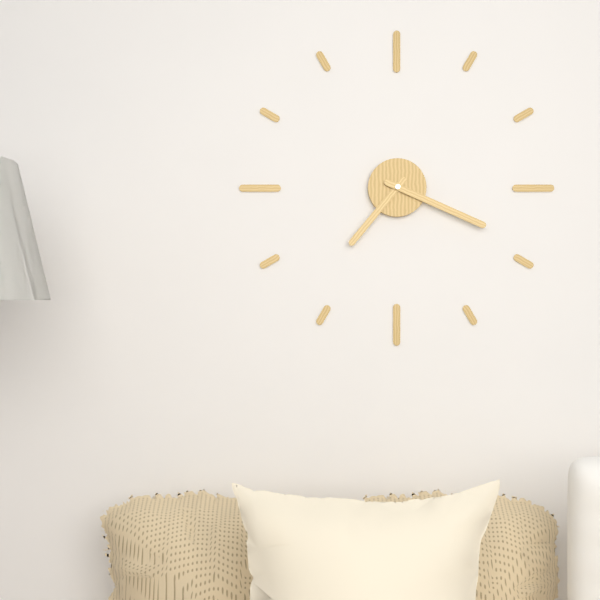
7:19
